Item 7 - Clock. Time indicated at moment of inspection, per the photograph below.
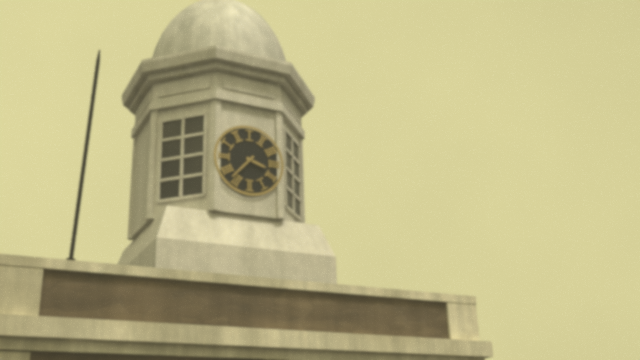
3:37
